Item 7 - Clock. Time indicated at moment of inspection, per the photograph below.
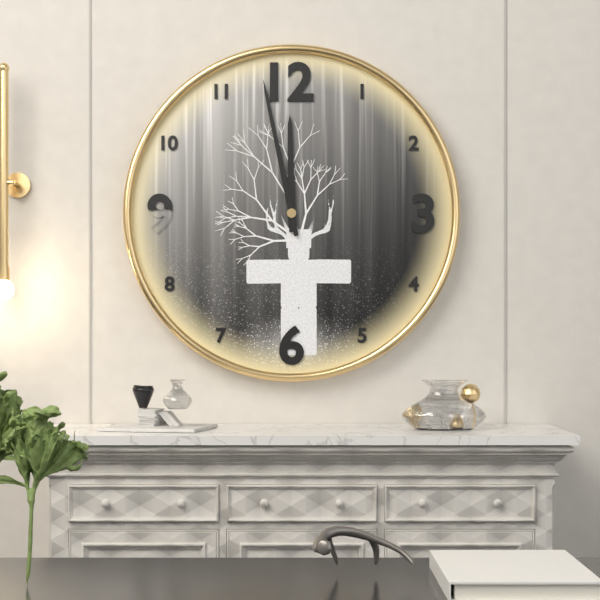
11:58
